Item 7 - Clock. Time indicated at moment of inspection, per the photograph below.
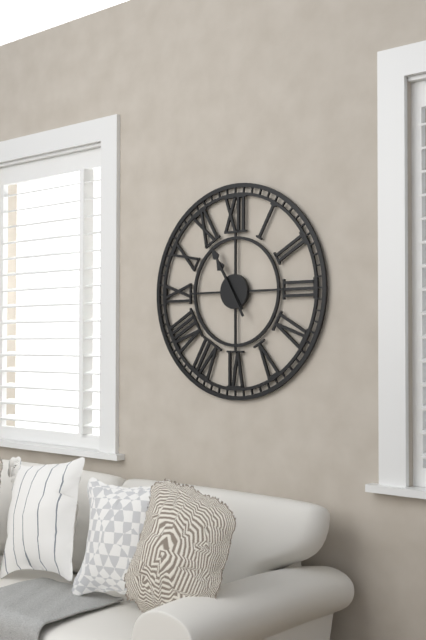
10:55
